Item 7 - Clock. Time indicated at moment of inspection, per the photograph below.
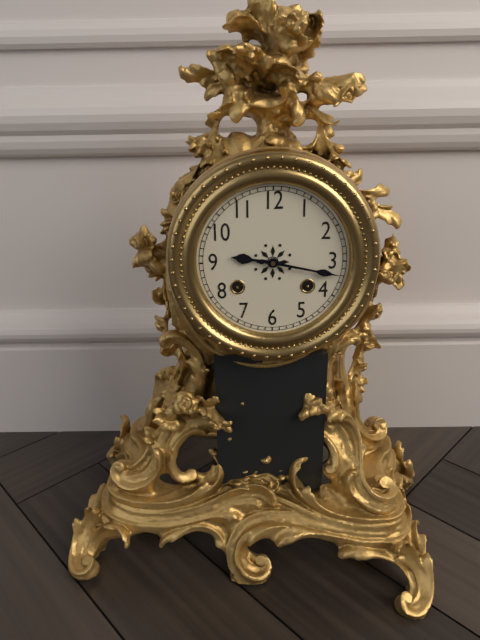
9:17
